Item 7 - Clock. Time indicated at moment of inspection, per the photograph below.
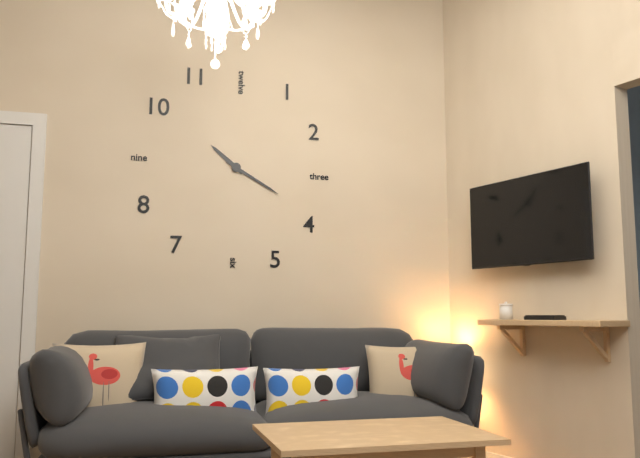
10:20
